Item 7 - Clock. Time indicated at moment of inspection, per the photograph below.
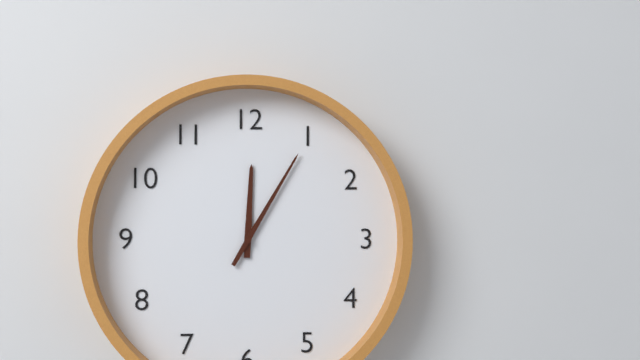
12:05
